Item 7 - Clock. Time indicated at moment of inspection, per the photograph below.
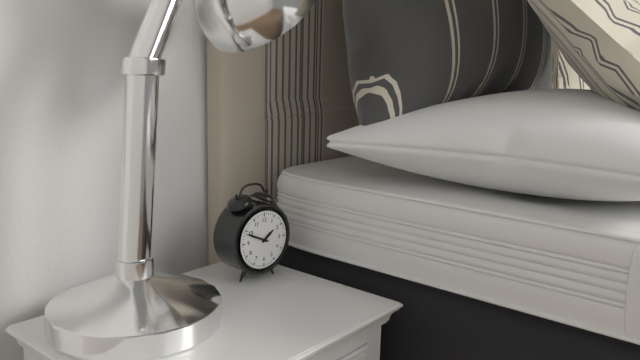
1:49
